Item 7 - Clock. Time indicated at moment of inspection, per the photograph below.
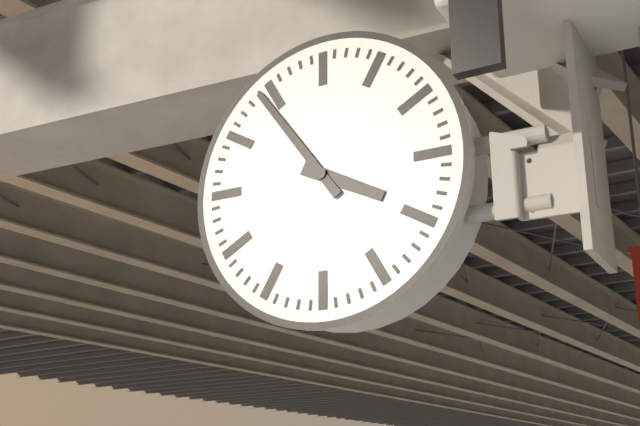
3:54
